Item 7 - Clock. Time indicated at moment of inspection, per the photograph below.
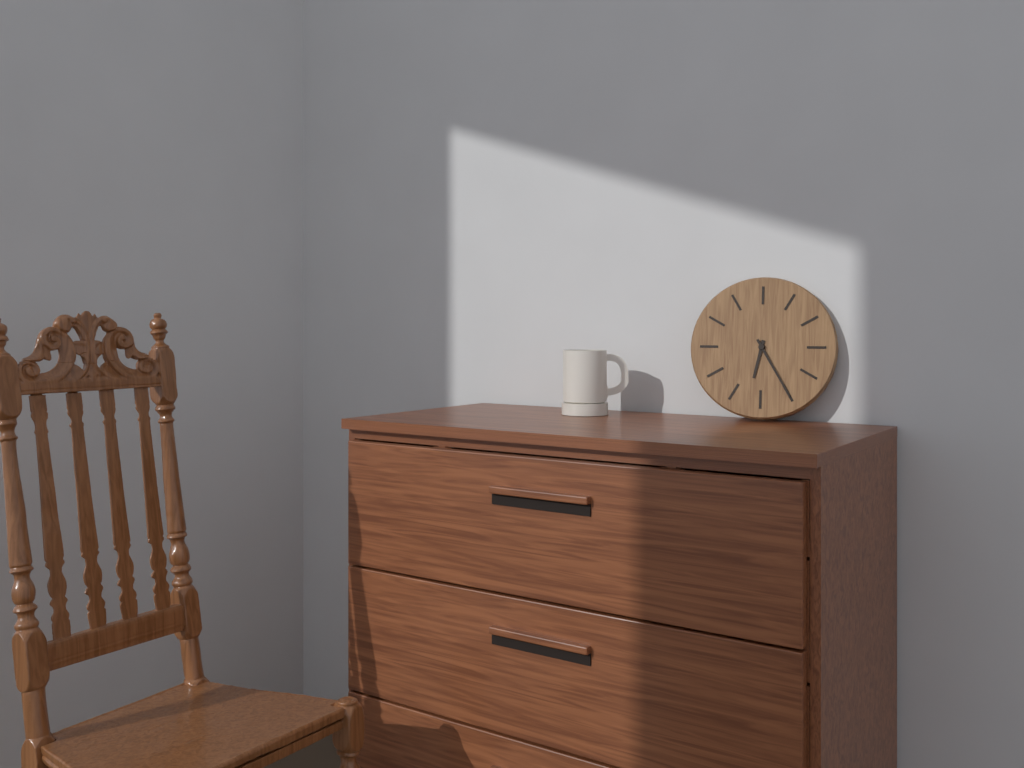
6:25
